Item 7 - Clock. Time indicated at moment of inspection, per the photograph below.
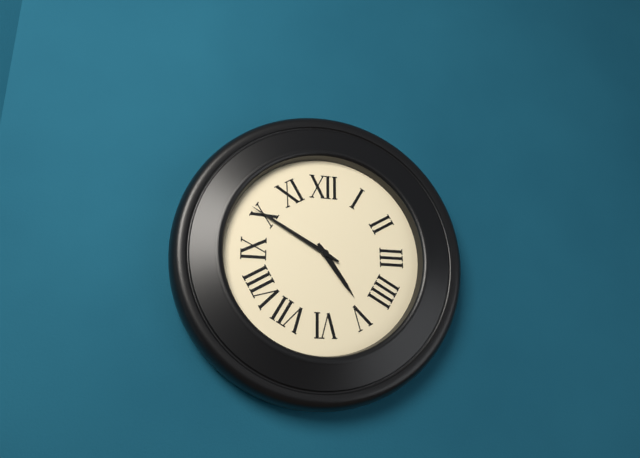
4:50
